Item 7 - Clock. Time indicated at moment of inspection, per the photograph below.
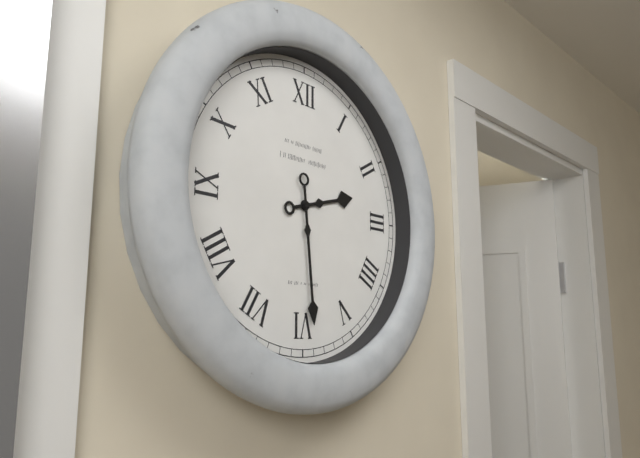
2:29
